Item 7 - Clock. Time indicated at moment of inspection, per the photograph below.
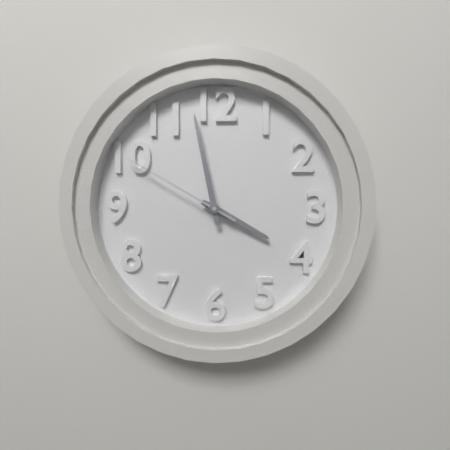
3:58:50
